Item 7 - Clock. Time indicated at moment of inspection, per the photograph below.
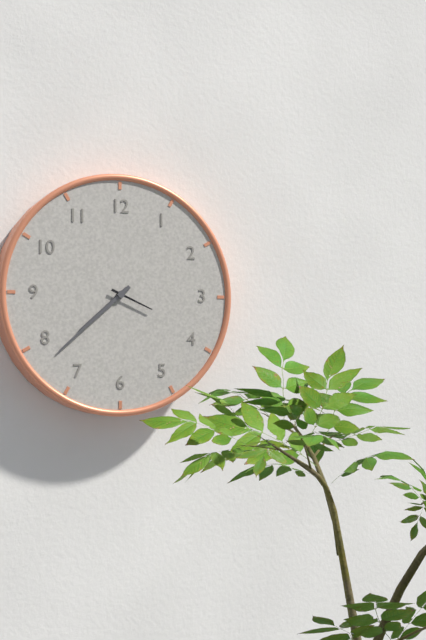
7:38
